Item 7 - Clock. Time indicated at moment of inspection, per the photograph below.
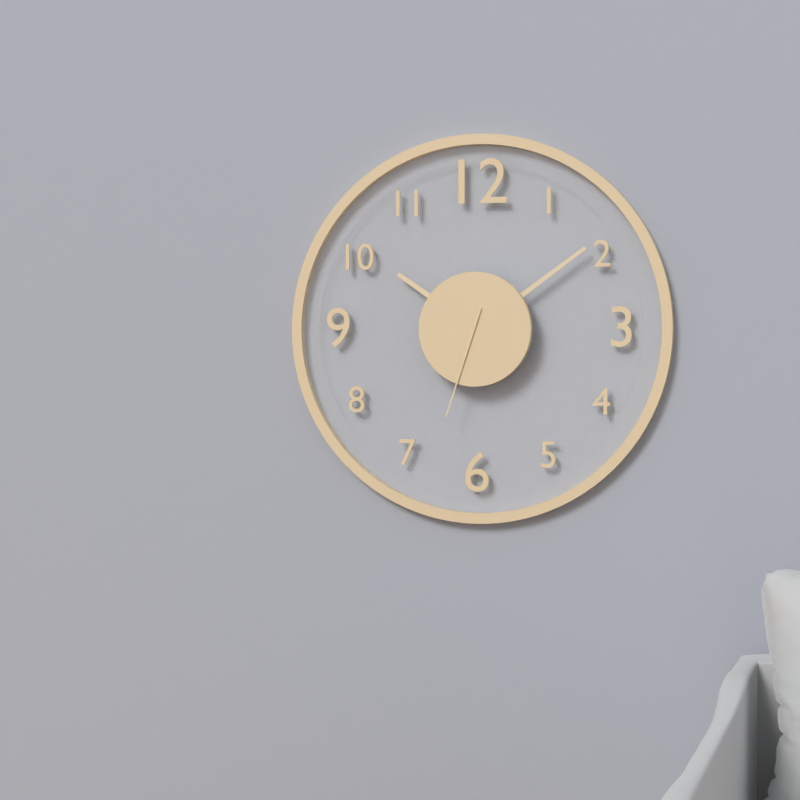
10:09:33
